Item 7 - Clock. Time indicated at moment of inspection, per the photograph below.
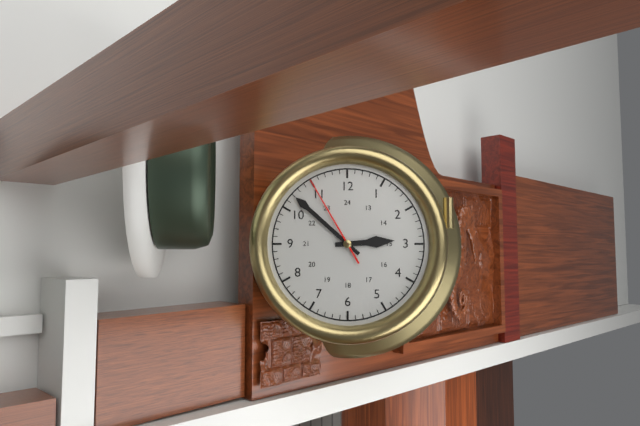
2:52:55
